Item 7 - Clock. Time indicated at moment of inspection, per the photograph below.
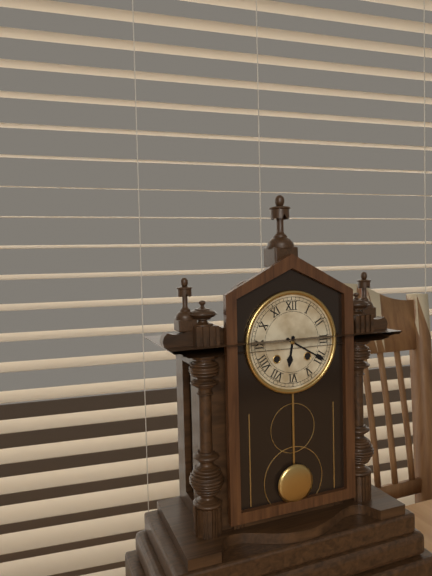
6:20
